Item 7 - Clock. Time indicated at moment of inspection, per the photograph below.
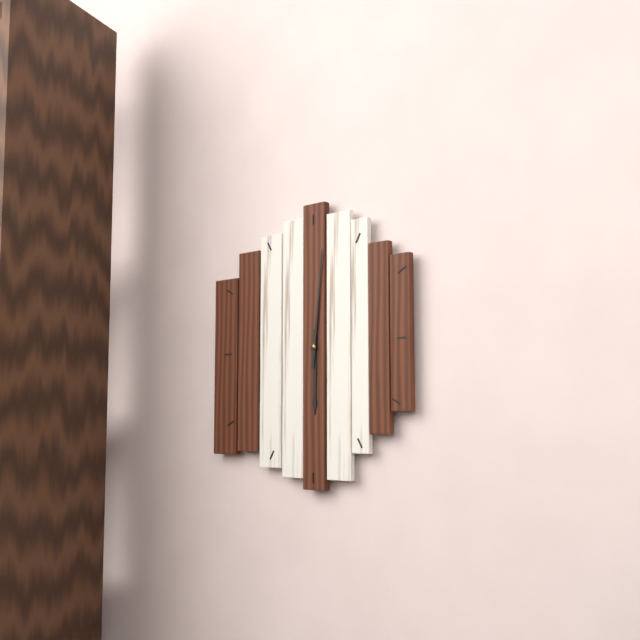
6:01
